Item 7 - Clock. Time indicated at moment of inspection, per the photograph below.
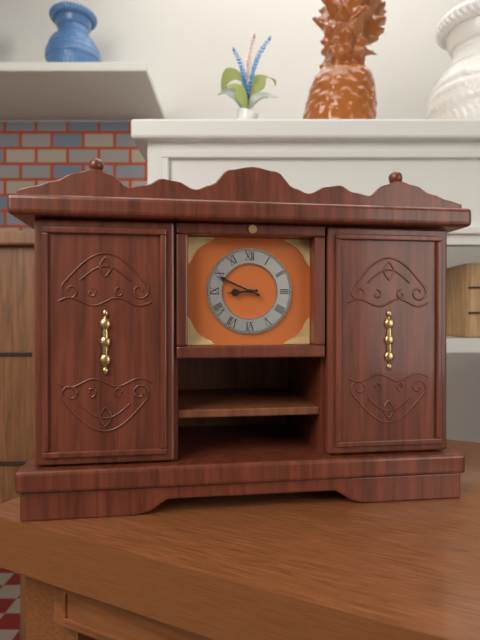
8:49
